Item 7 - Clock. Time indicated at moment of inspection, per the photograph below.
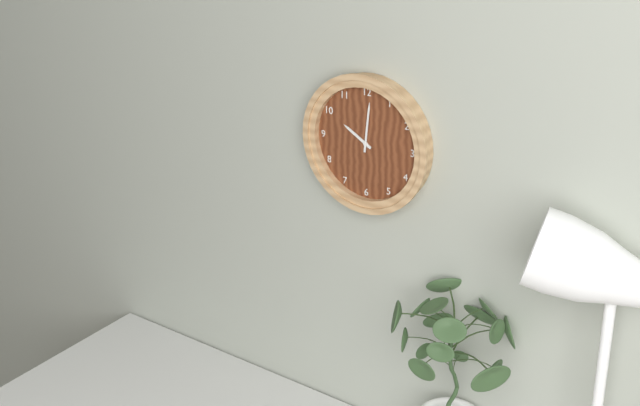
10:01
